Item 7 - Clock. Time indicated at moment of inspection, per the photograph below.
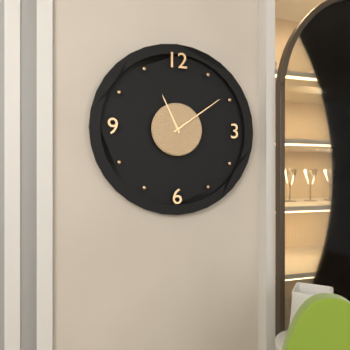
11:09
